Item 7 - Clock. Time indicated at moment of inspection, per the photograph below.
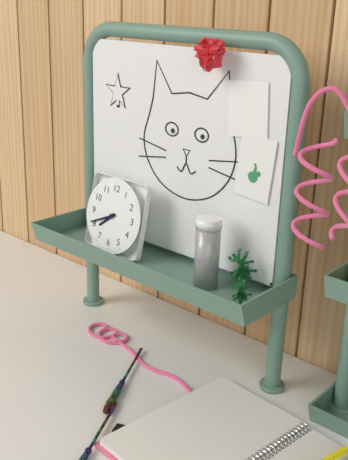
7:41
